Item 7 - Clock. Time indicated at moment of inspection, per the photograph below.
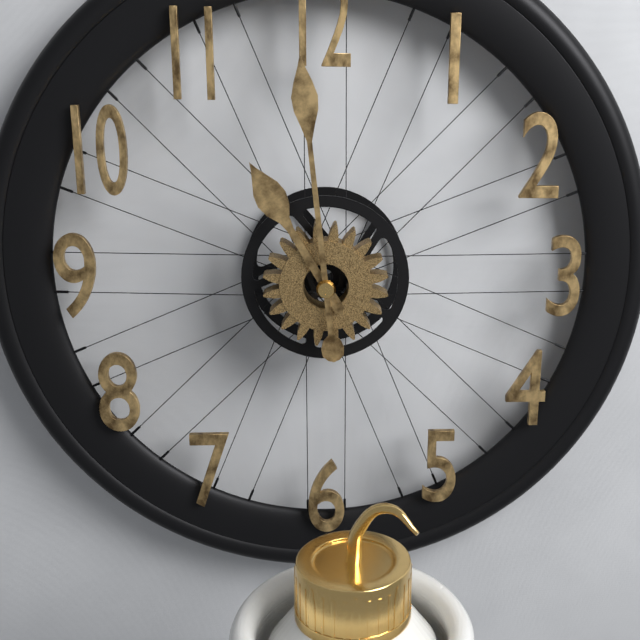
10:59
